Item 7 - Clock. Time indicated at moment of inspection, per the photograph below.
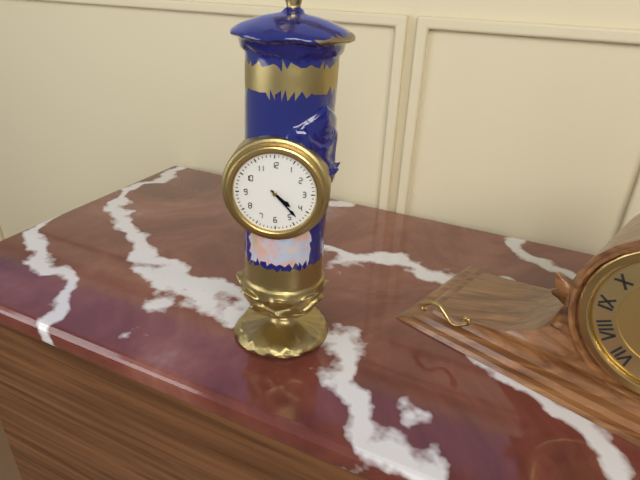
4:23
